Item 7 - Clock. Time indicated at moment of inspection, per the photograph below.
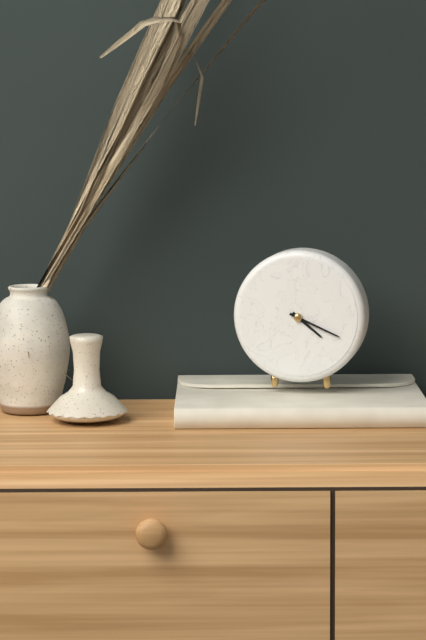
4:19
